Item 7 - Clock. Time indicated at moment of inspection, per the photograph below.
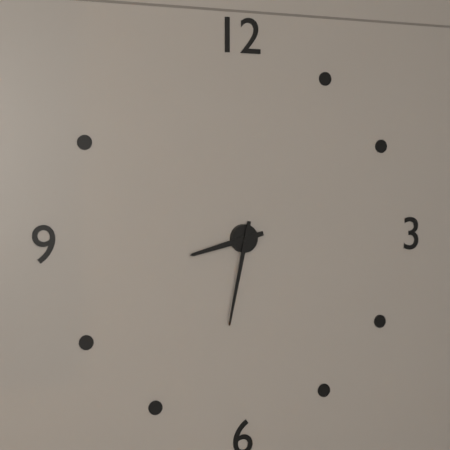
8:32
